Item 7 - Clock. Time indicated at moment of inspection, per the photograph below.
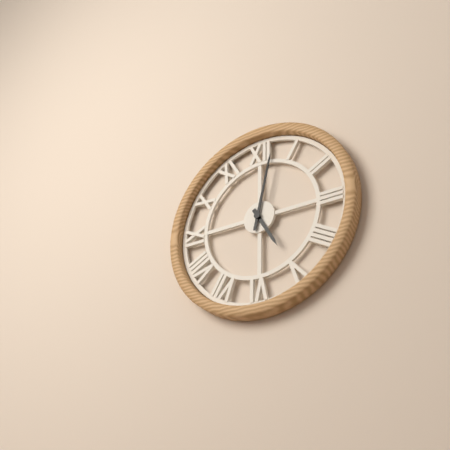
5:02
